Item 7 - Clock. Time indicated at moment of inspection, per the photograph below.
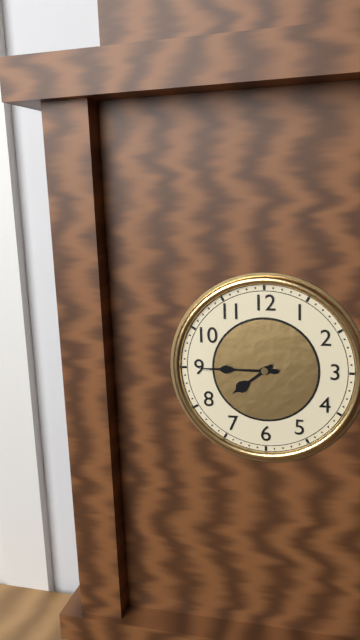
7:45
